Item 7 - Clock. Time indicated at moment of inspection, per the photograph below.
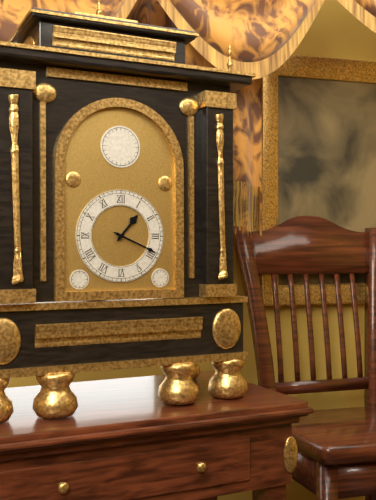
1:19
